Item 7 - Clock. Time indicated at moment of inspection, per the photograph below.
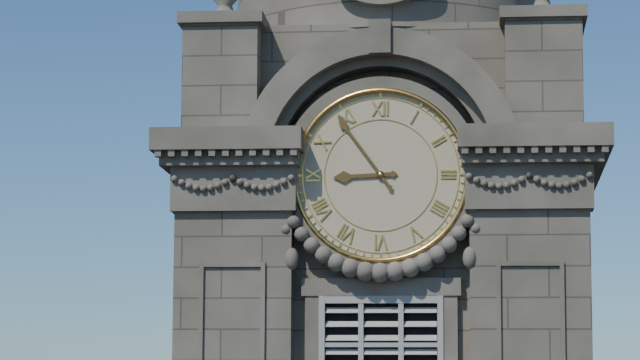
8:54
